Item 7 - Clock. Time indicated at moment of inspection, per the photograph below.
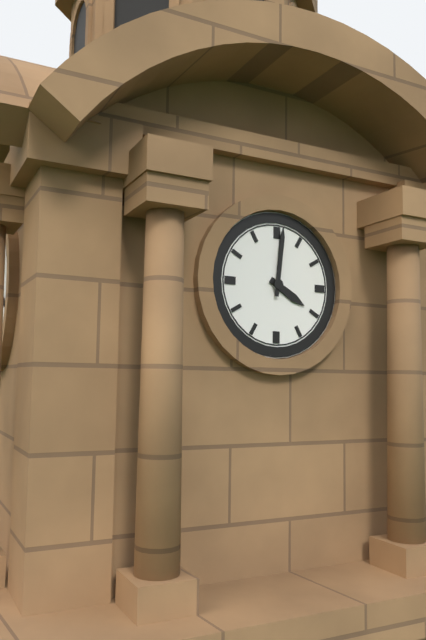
4:01
